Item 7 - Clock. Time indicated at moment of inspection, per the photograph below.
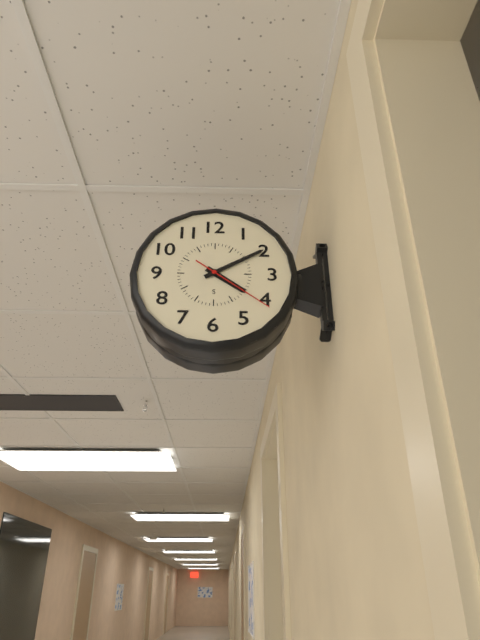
4:10:21
